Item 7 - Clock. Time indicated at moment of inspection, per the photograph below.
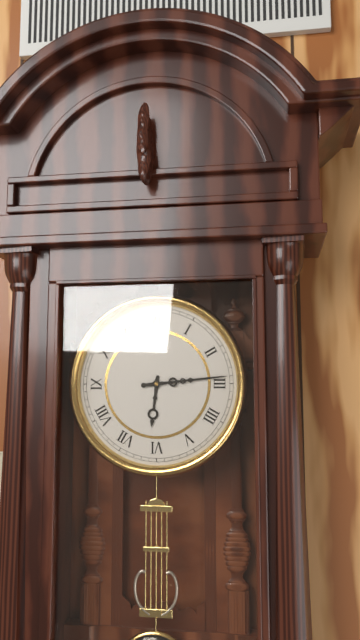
6:14
